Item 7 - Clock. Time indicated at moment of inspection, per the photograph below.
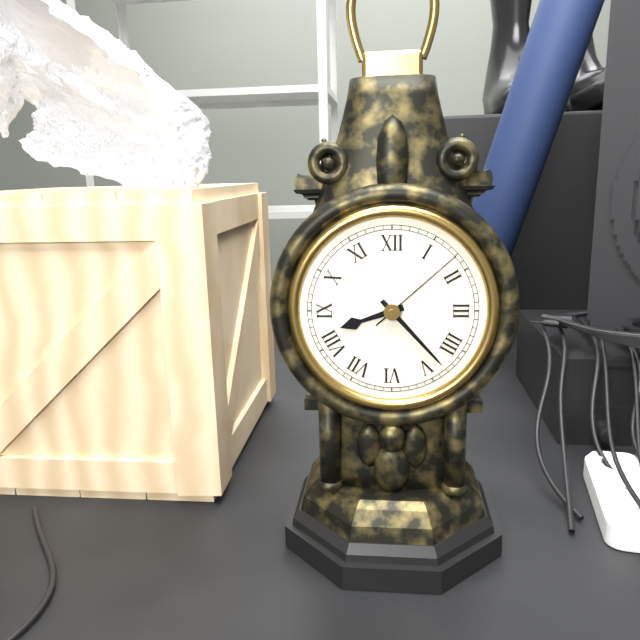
8:23:08
